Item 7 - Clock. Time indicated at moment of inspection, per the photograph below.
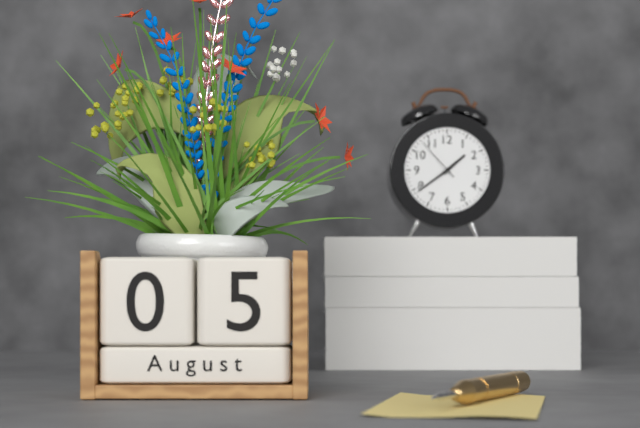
1:39
